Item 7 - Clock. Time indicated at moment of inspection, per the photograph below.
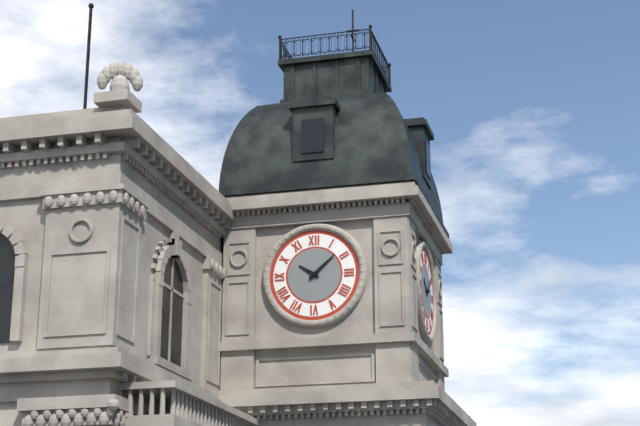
10:08
